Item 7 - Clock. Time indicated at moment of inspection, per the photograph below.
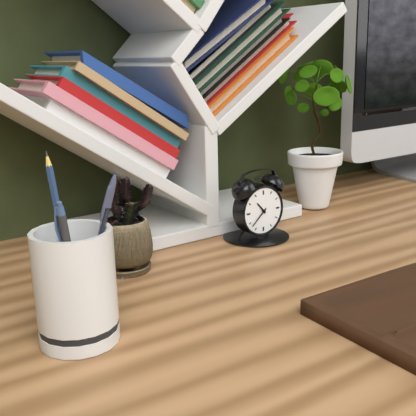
10:38
